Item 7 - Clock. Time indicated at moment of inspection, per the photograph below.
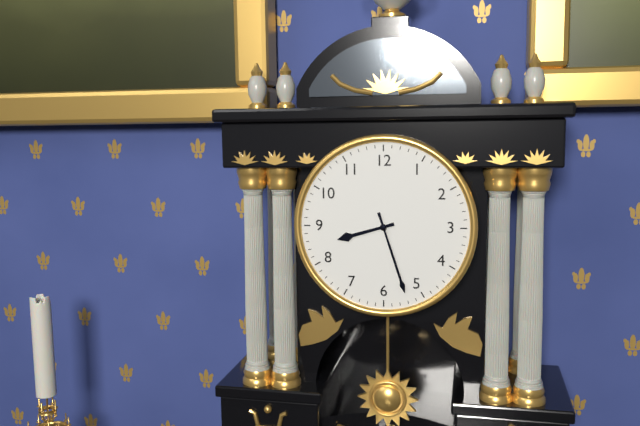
8:27
